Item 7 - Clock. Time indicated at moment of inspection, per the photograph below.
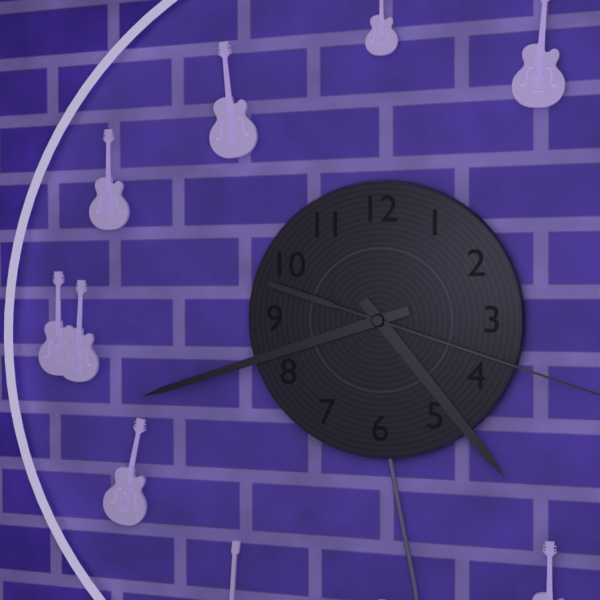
4:42
